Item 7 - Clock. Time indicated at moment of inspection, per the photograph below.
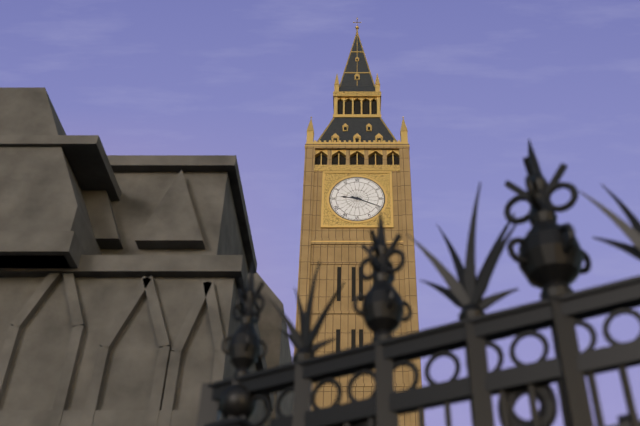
9:19
